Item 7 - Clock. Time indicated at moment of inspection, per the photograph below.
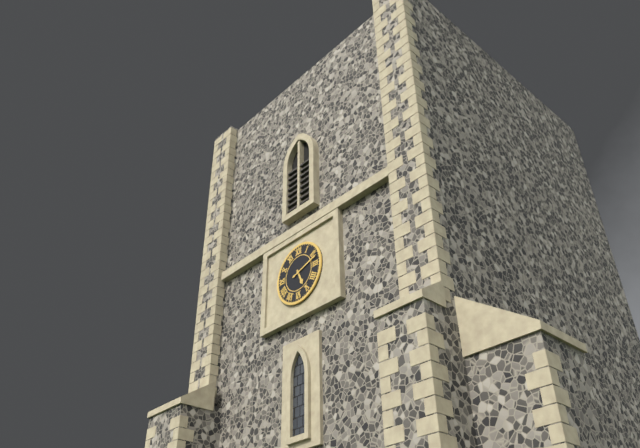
5:12
